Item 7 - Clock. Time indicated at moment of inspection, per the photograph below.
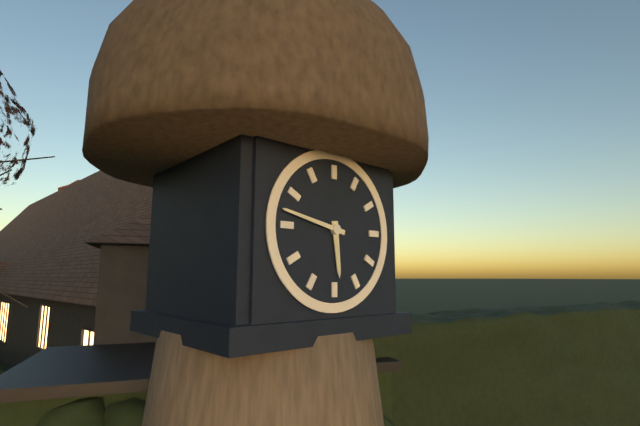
5:47
